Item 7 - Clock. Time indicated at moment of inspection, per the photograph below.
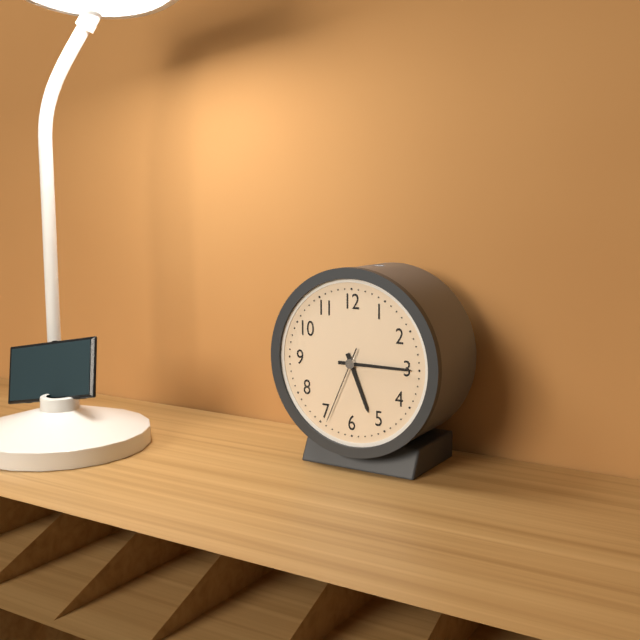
5:15:34
